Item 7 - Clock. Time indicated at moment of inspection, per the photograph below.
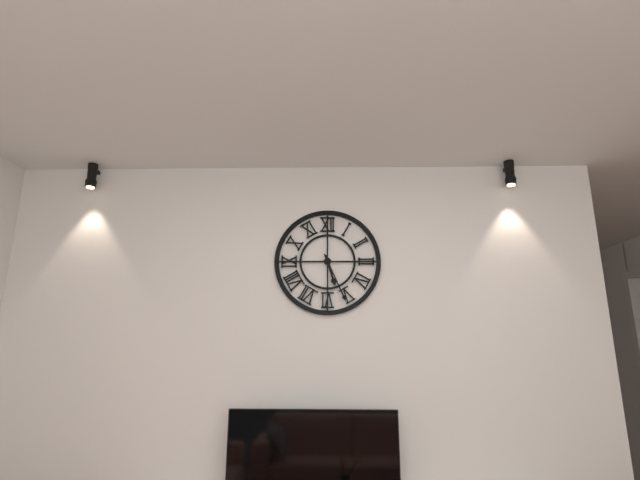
5:26
